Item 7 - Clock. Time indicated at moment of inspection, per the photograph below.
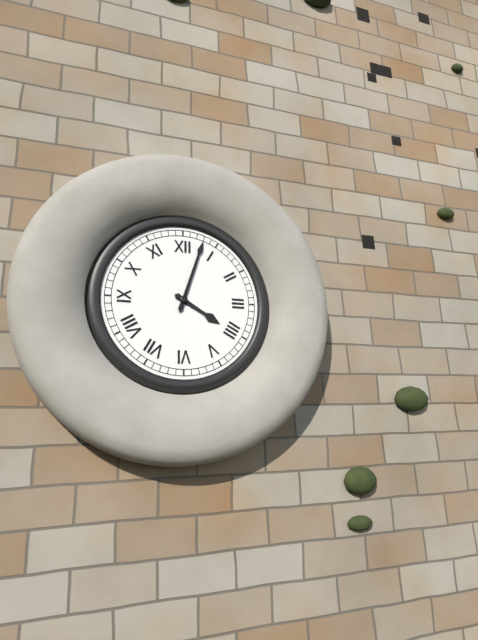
4:03
